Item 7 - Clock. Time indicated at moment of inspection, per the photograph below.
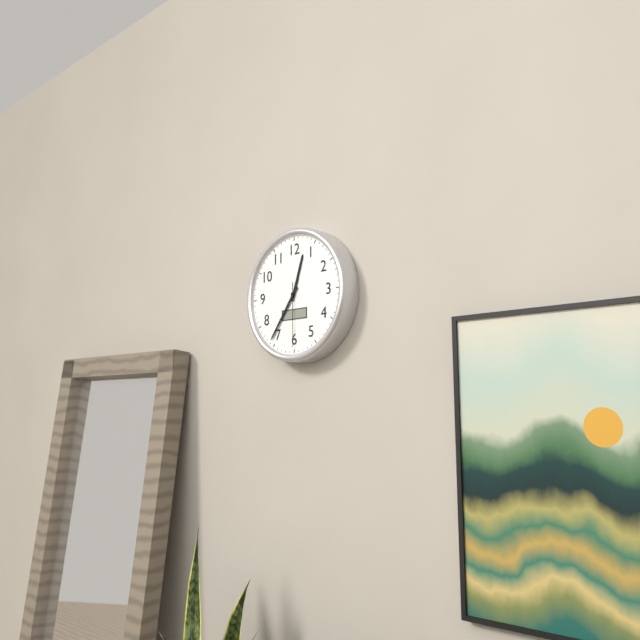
12:36:30
